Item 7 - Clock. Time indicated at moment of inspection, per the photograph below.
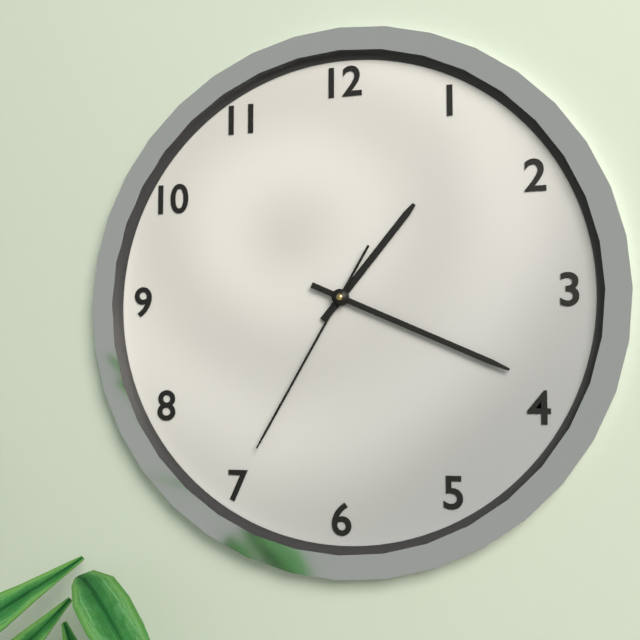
1:19:35
